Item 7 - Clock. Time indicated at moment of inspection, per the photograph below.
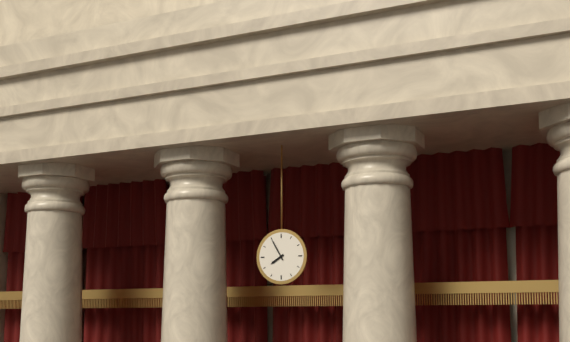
7:55
